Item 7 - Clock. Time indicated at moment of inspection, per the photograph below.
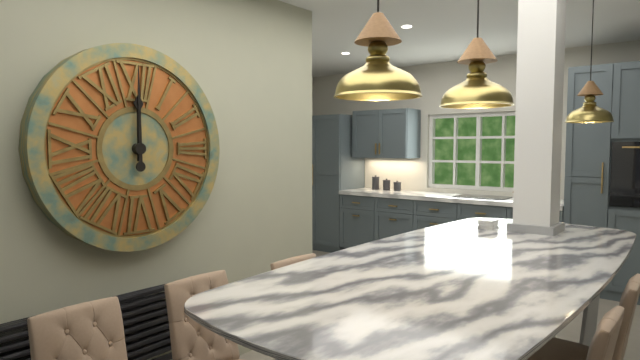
12:00
